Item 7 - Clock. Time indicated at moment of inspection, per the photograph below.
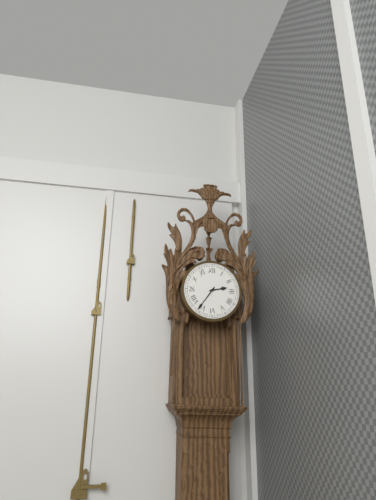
2:36
